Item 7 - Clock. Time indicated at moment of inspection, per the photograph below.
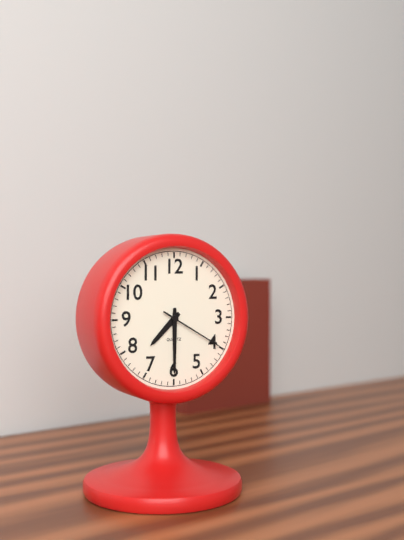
7:30:20
